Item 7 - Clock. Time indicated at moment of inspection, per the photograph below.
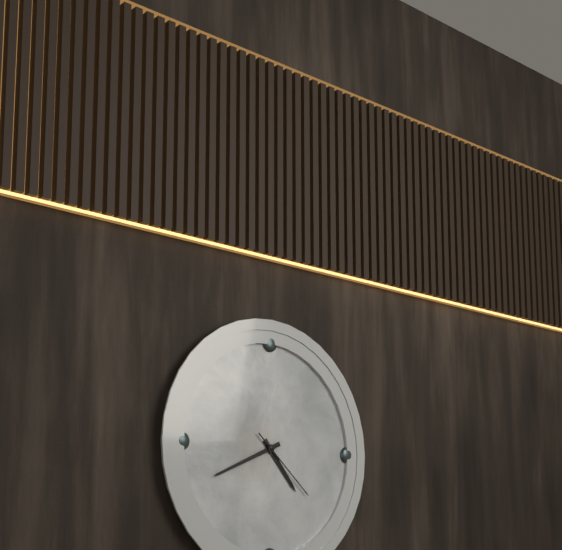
4:41:22
